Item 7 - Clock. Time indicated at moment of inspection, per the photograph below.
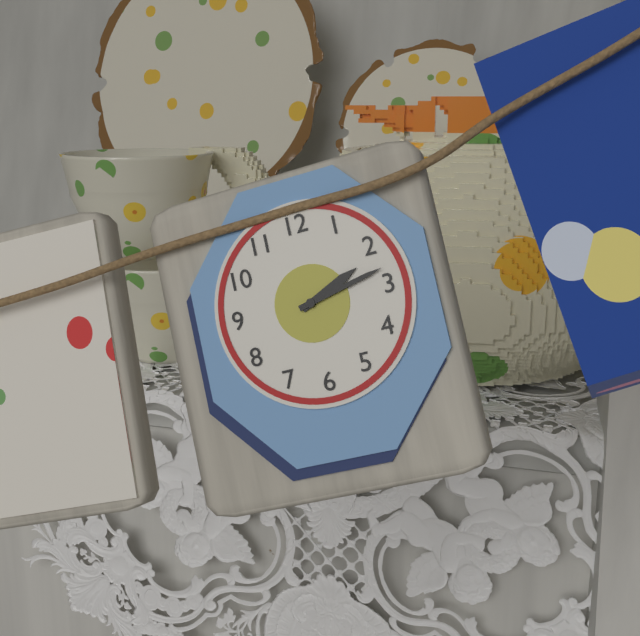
2:13
